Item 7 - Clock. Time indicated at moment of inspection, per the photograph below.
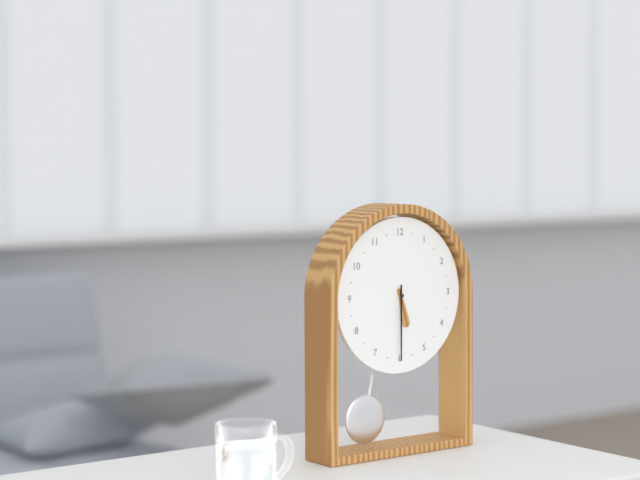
5:30
